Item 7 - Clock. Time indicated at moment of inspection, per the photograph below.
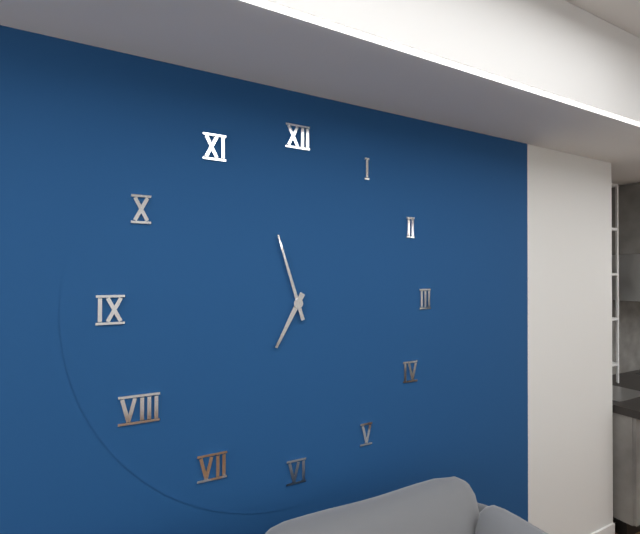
6:57
